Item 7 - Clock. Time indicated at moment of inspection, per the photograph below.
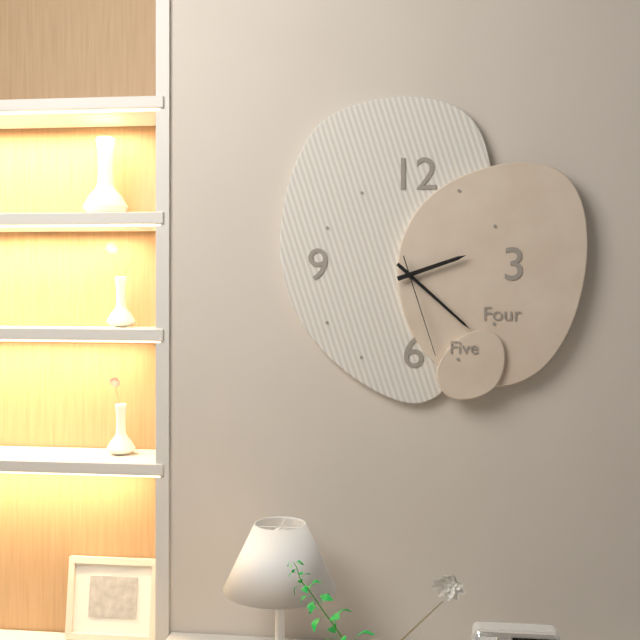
2:22:27
